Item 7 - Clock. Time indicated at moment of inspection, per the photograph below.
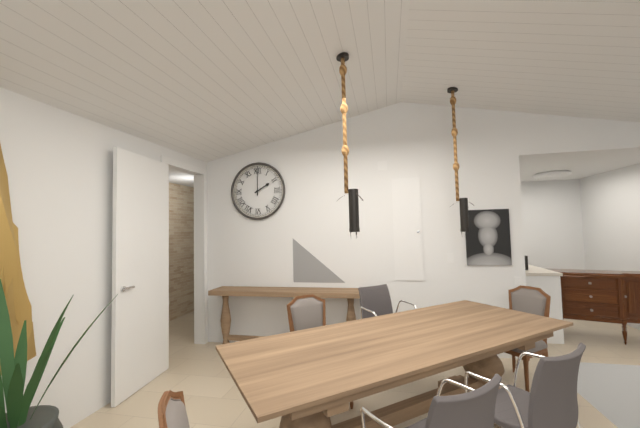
2:00
